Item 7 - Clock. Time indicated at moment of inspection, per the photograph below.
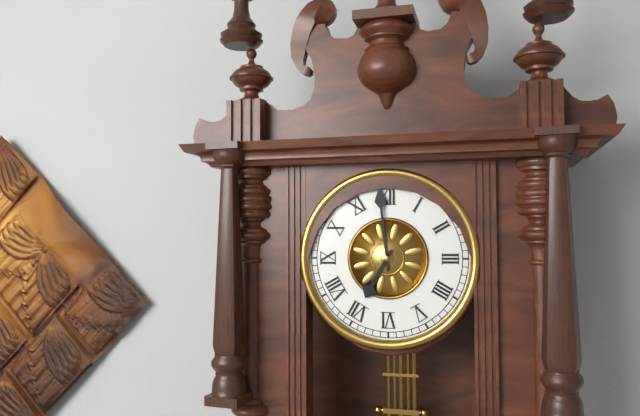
6:59
